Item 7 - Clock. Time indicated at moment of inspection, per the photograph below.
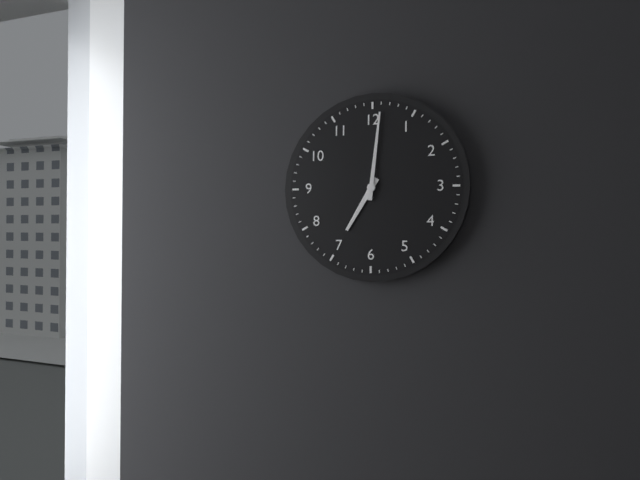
7:01
